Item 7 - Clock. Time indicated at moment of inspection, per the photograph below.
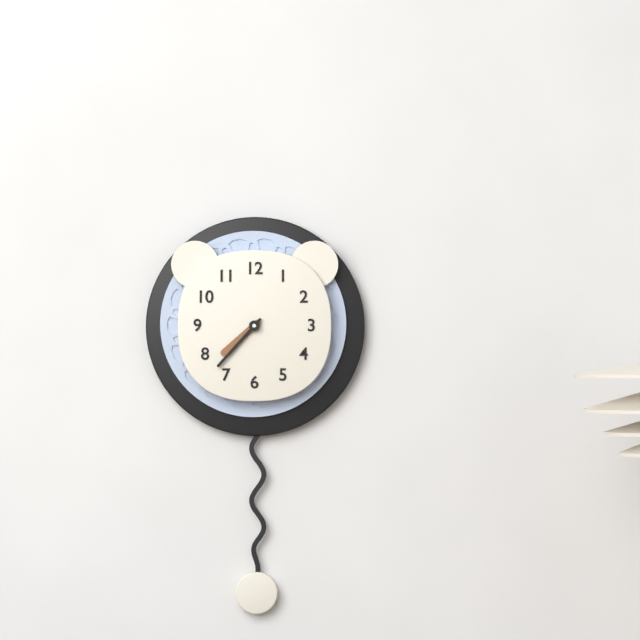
7:37
